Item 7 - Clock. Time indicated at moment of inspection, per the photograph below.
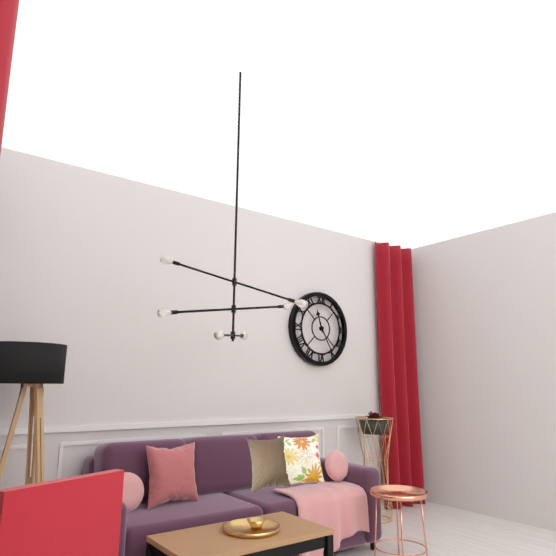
11:25
